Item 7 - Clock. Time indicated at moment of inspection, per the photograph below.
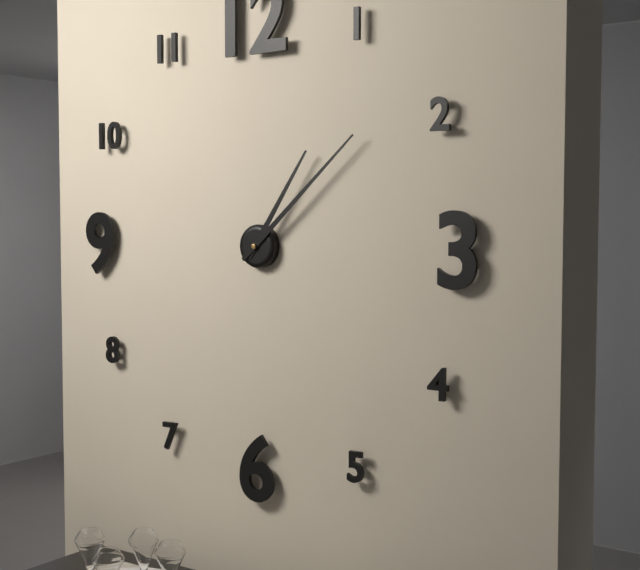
1:08
